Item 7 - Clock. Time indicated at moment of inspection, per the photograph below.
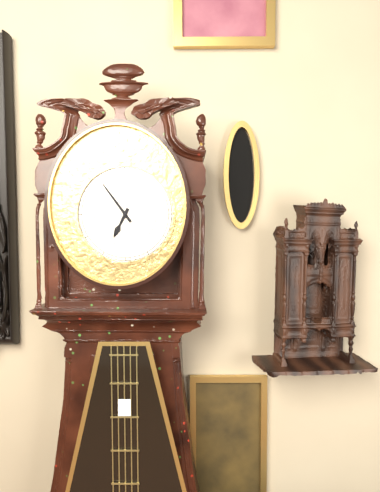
6:54
